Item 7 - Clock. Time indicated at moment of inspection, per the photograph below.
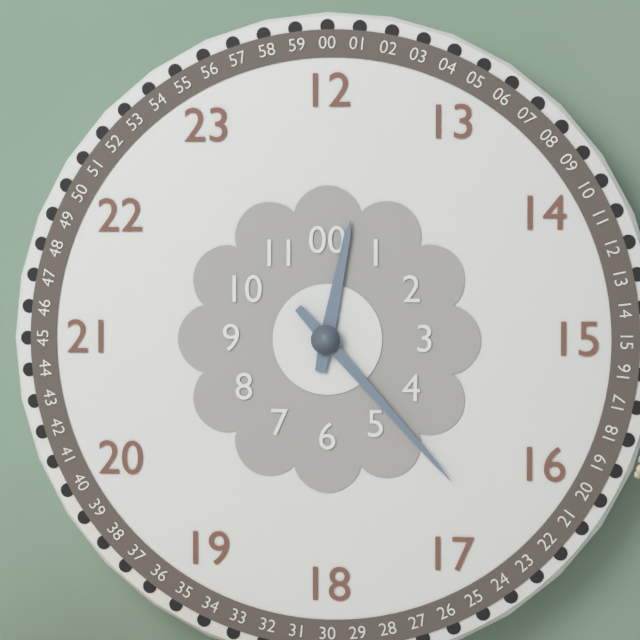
12:23
